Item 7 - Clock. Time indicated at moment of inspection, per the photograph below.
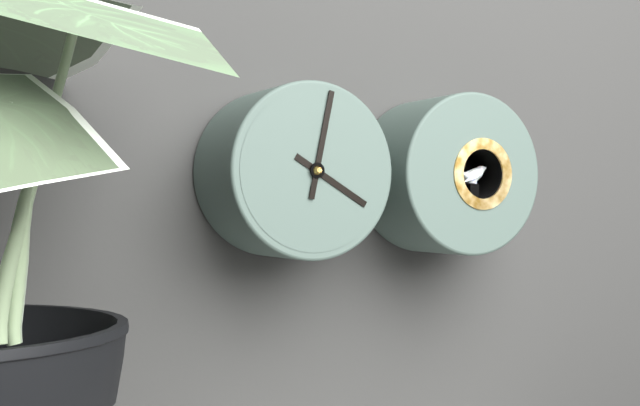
4:02
